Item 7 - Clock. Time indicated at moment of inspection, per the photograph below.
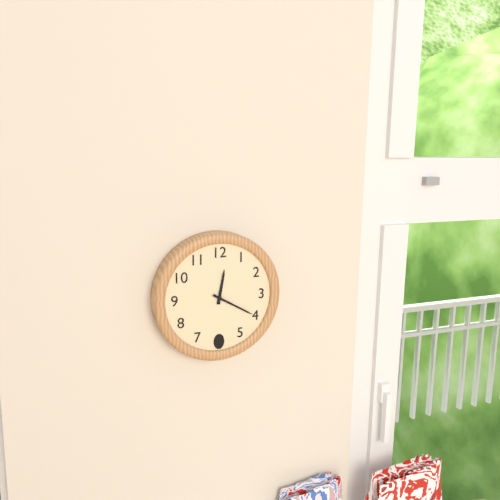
12:20
